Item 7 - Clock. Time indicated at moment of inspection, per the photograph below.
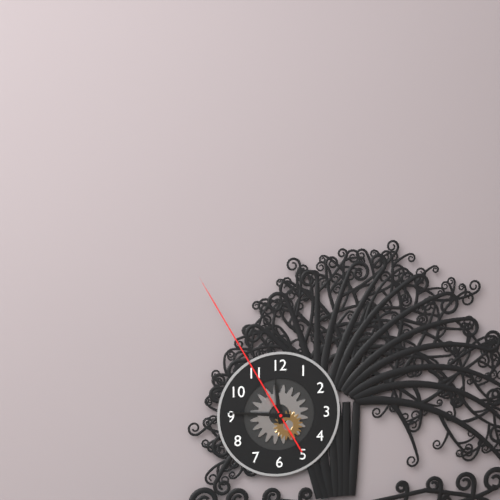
11:46:55
